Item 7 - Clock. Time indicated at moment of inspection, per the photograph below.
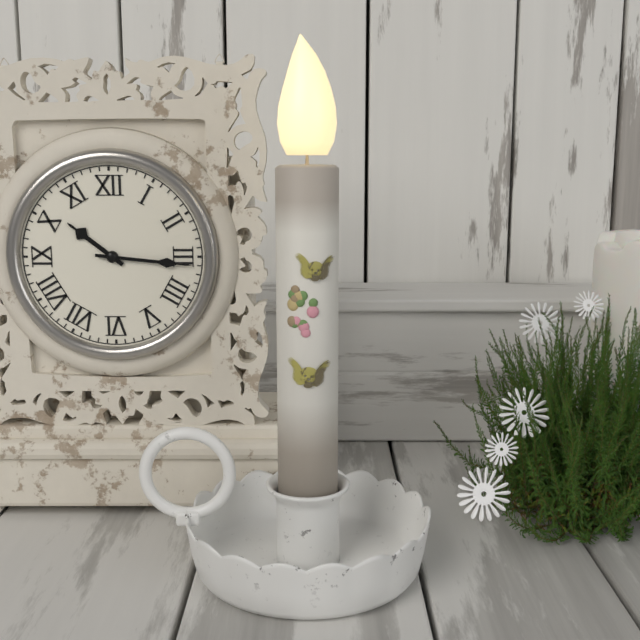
10:16
